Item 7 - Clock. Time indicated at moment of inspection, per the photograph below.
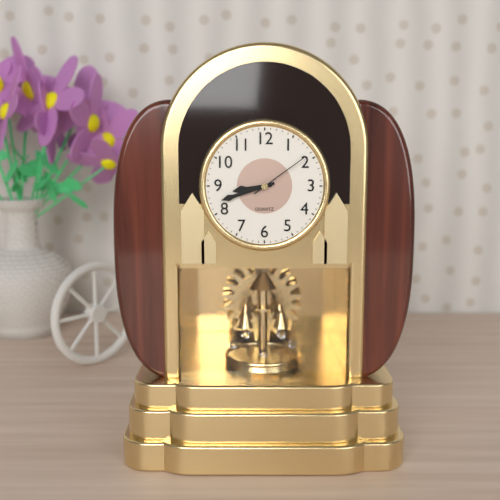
8:42:09
